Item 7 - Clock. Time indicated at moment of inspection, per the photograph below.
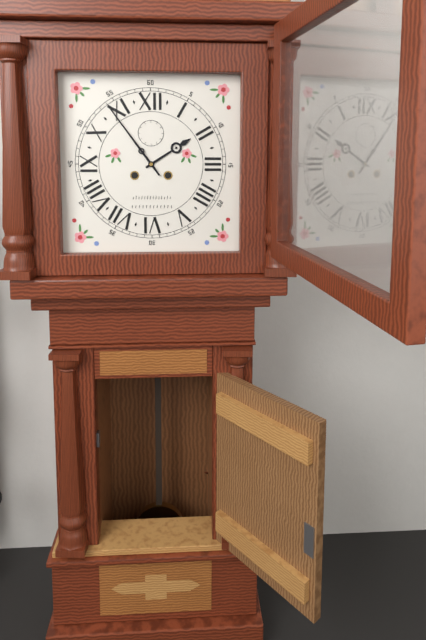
1:54
